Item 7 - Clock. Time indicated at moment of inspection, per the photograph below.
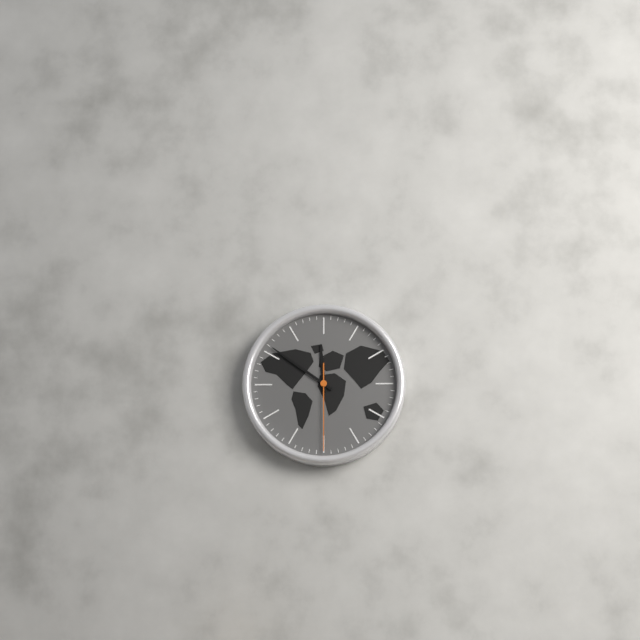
11:51:30
